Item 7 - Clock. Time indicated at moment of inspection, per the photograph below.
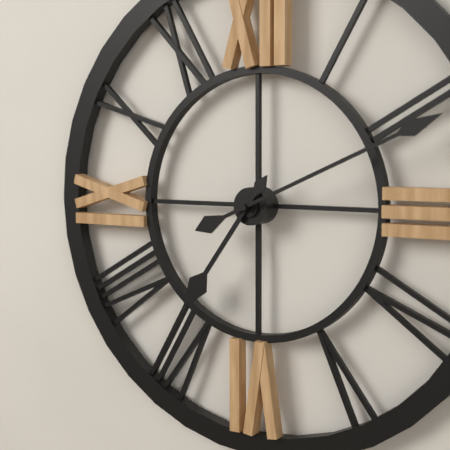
7:11
